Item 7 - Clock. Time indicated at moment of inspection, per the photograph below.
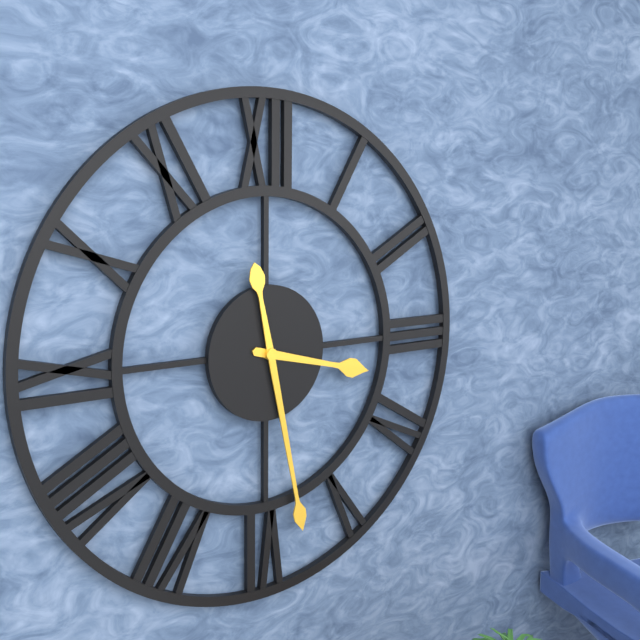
3:28
